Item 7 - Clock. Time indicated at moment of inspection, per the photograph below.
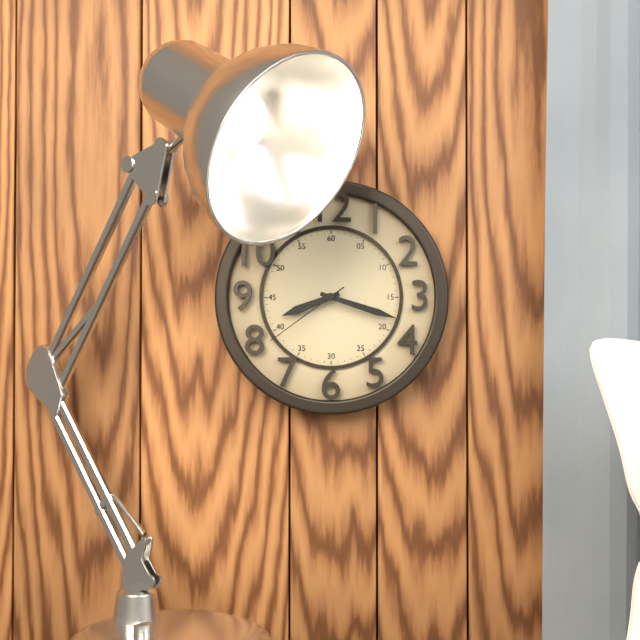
8:18:39
